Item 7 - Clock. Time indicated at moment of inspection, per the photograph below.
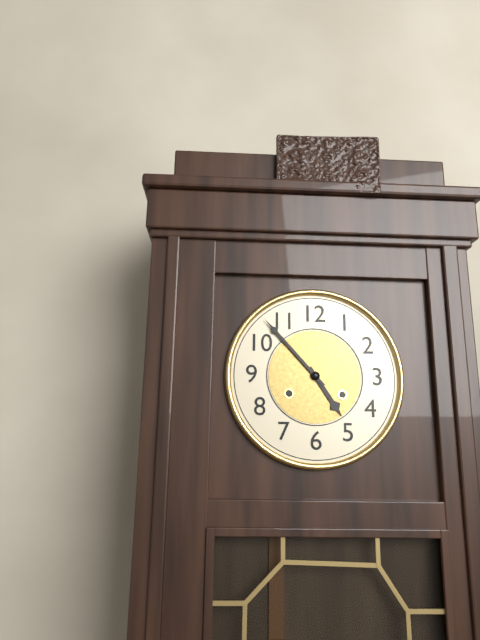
4:53
